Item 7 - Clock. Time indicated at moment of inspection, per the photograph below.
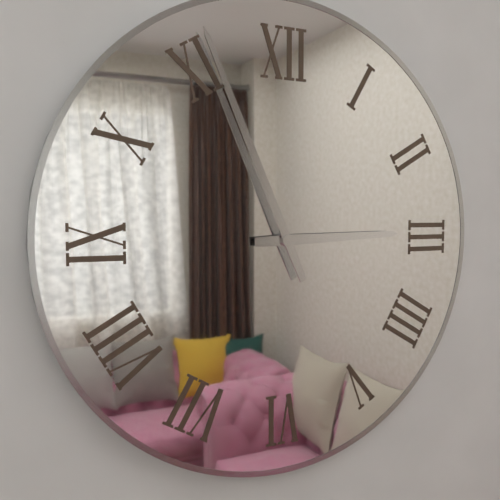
2:56
